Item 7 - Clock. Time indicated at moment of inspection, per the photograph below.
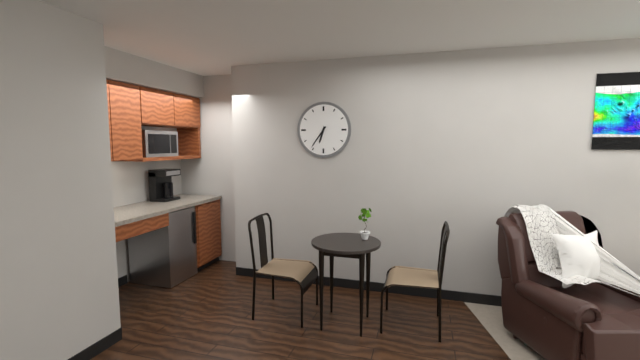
6:36
